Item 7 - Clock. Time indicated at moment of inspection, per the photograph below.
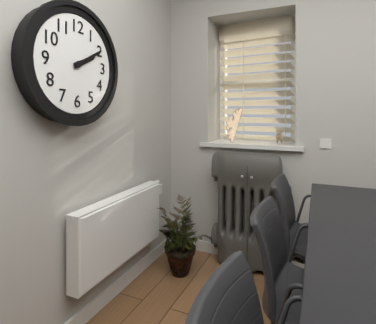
2:10
